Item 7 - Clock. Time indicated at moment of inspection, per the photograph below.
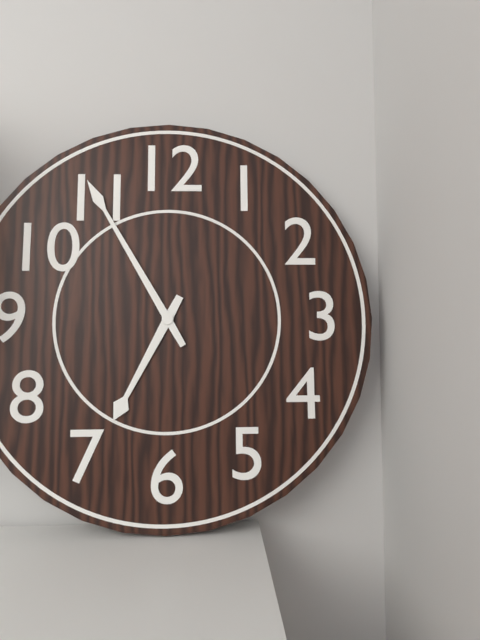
6:55
